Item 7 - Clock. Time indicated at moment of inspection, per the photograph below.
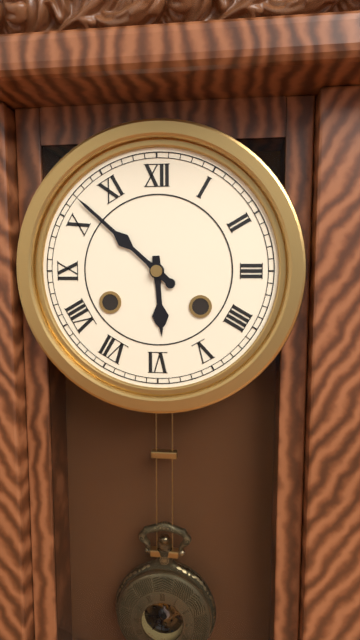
5:52
